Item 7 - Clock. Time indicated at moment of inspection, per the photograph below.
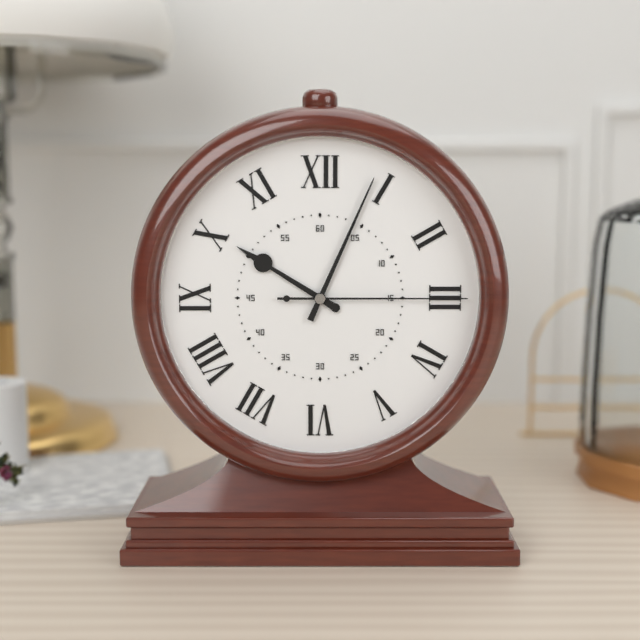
10:04:15
